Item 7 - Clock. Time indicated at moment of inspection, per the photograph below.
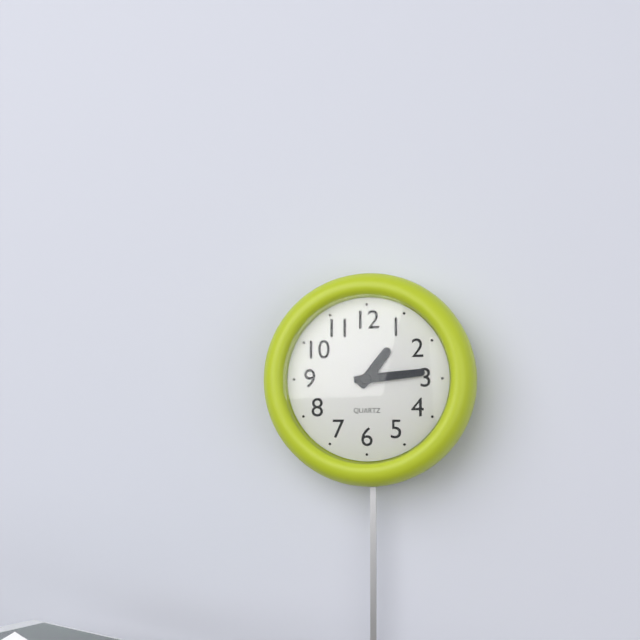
1:14
